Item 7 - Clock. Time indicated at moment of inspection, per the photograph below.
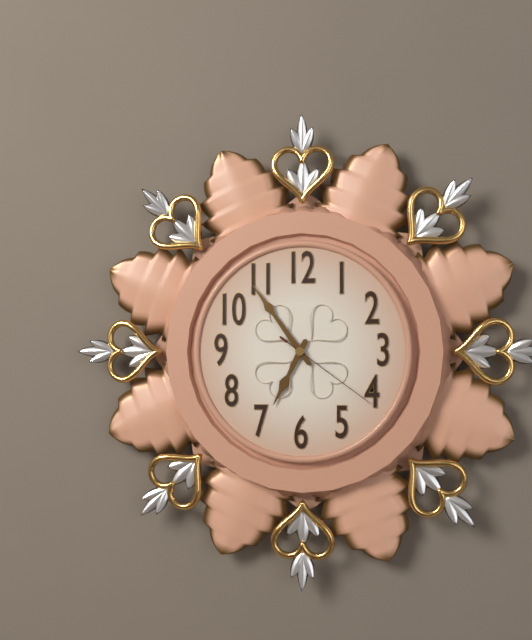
6:54:21
